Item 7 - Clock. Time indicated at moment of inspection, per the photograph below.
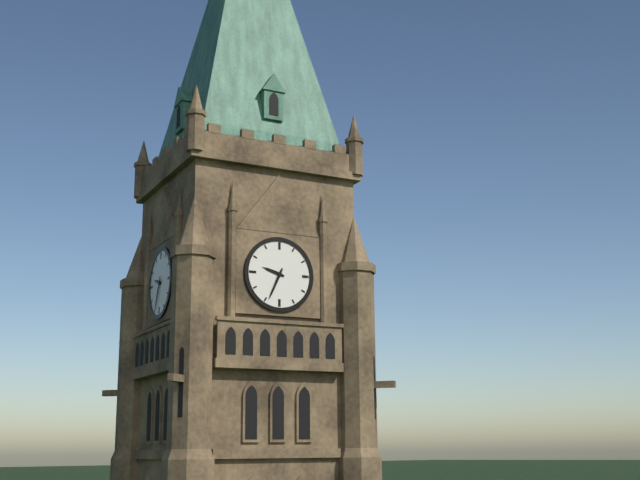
9:34
